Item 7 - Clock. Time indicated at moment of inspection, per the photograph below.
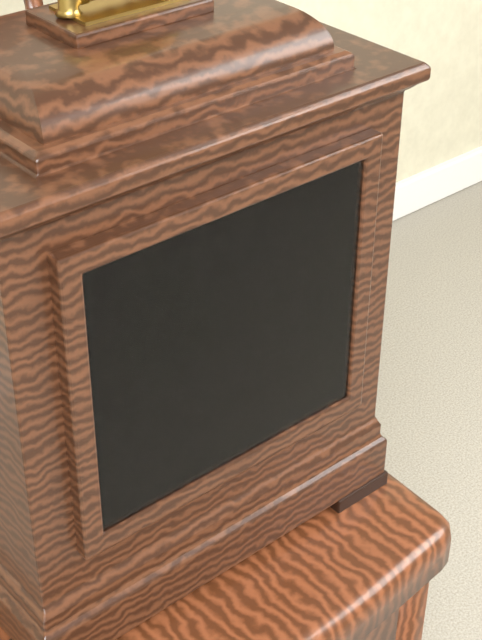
2:36
